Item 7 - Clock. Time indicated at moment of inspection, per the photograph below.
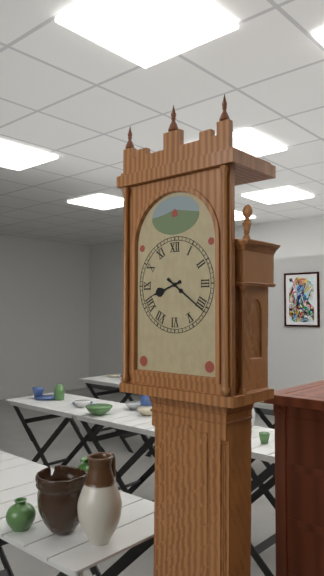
8:21
